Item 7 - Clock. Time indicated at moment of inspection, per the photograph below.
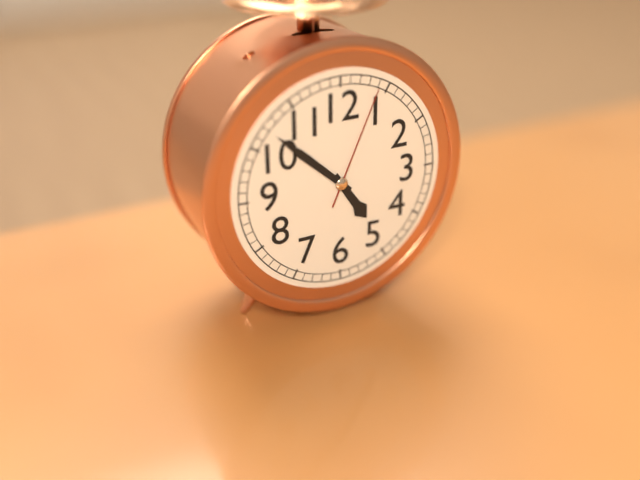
4:52:04
